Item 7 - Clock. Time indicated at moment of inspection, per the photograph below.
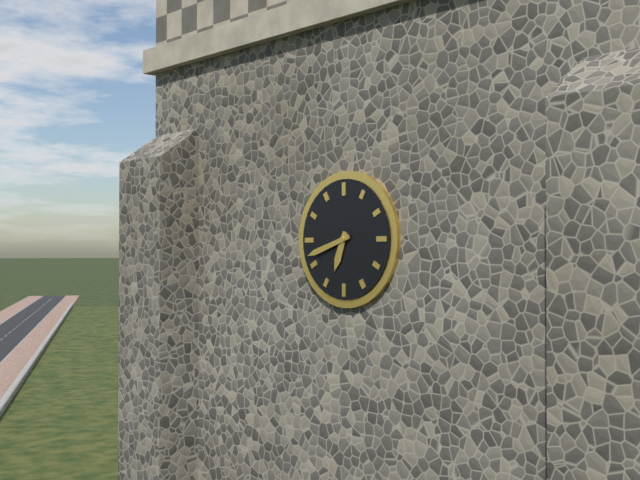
6:42
